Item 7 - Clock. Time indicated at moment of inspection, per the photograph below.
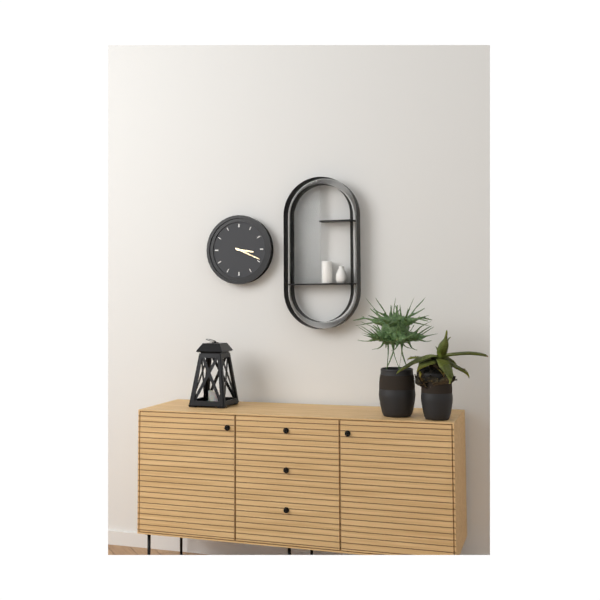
3:19
